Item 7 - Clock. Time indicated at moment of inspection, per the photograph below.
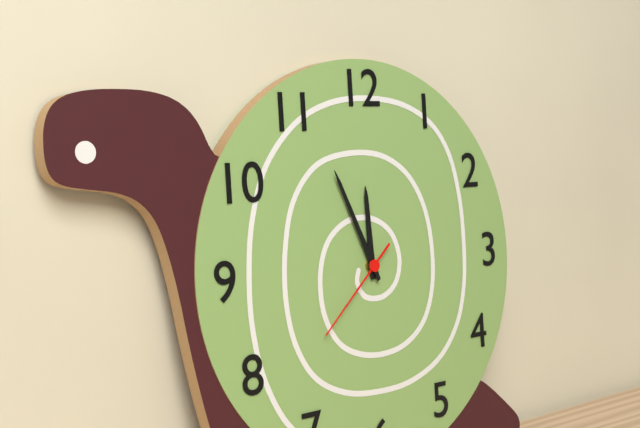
11:56:38
